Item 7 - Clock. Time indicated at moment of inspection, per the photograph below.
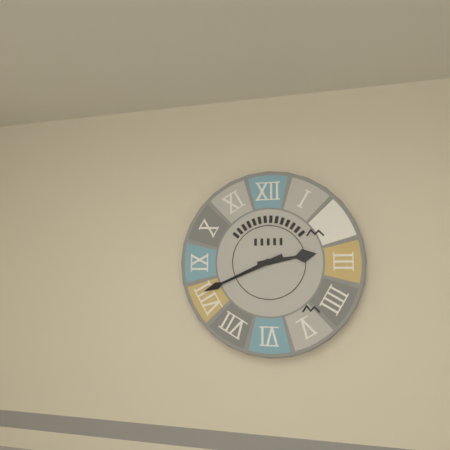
2:41
